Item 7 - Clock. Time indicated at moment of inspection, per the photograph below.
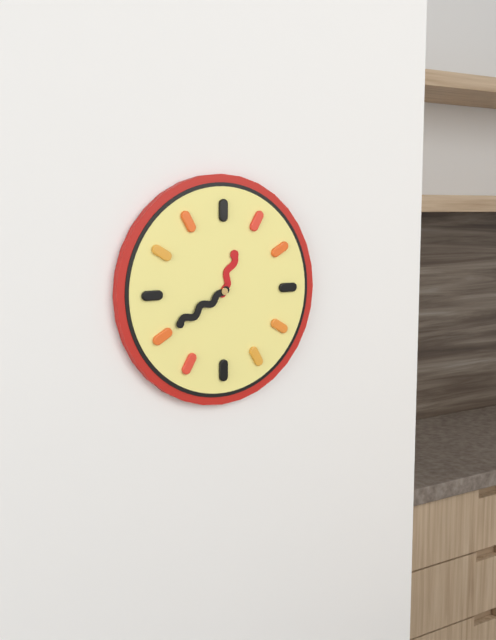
12:40
